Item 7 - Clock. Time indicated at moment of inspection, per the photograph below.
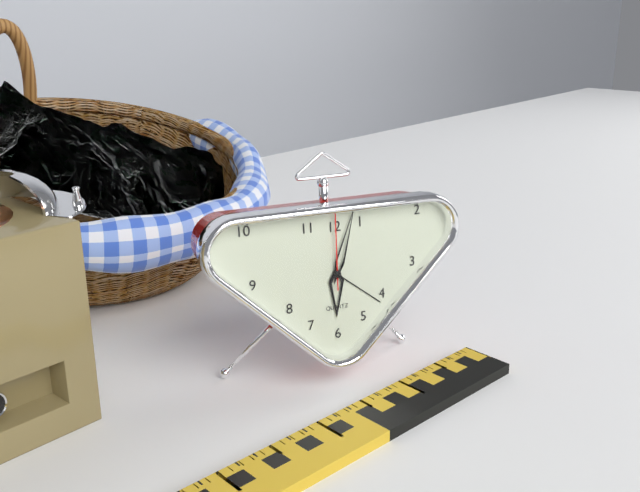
6:03:00
